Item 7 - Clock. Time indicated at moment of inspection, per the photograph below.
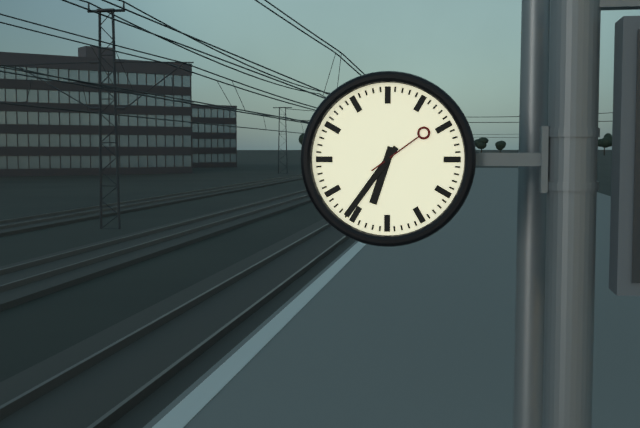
6:36:09
